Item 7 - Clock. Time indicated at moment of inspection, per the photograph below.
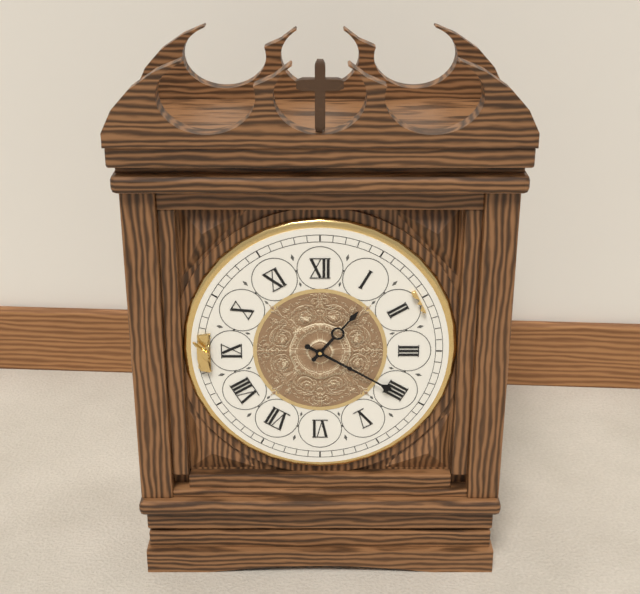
1:20
